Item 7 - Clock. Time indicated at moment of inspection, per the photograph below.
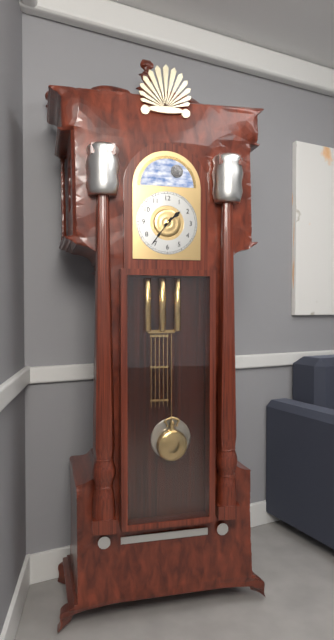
1:36
